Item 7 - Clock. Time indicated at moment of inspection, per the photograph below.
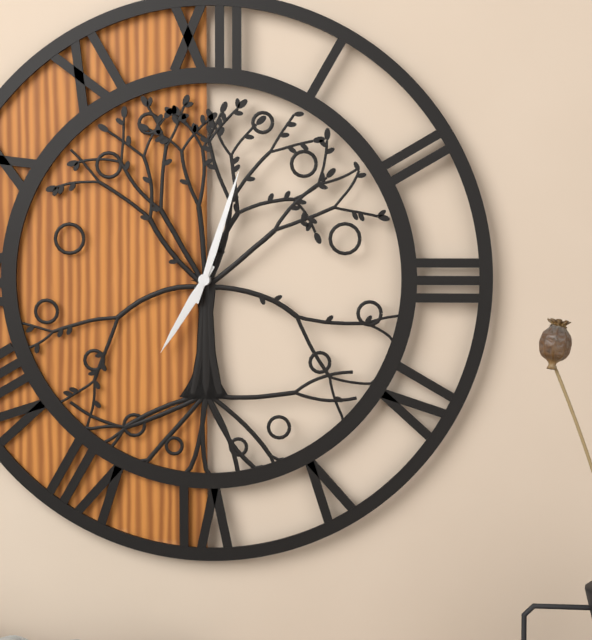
7:03
